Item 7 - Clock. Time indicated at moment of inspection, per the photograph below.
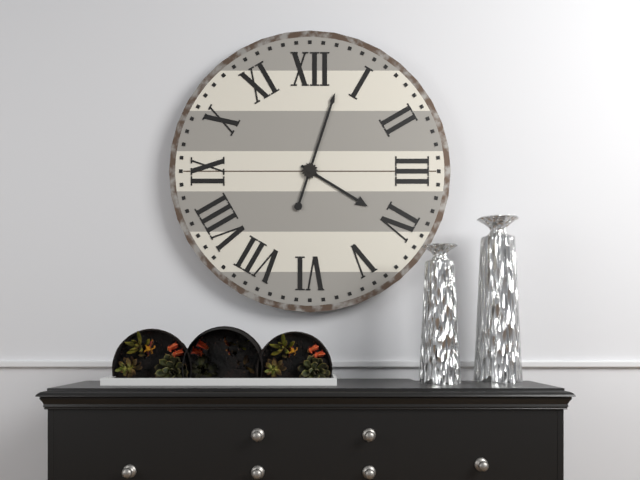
4:03
